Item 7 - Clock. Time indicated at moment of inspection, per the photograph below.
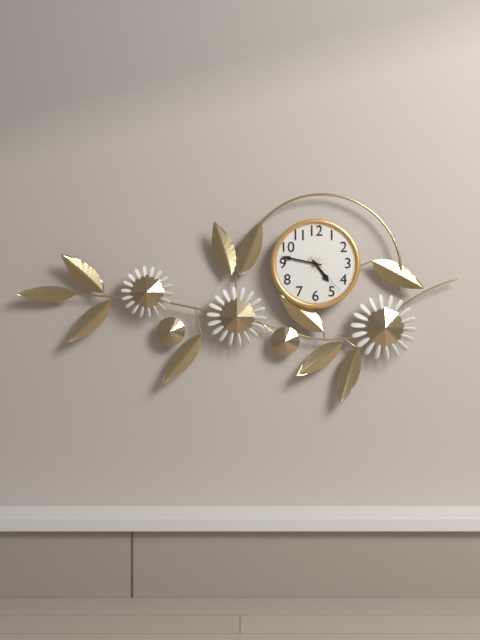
4:47
